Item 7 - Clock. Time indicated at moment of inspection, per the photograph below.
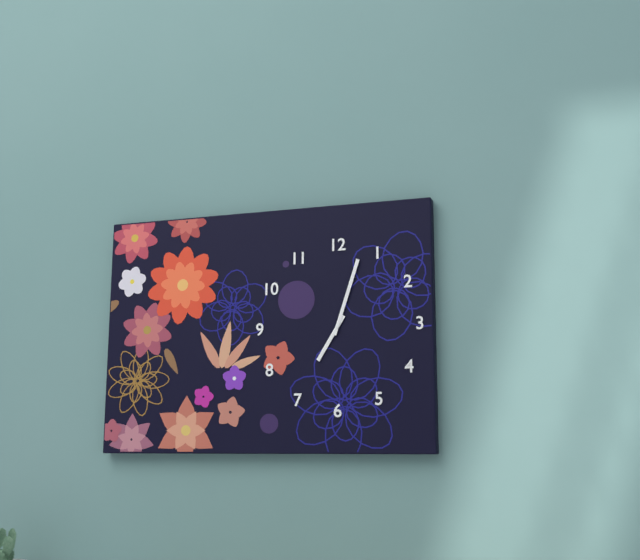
7:03
